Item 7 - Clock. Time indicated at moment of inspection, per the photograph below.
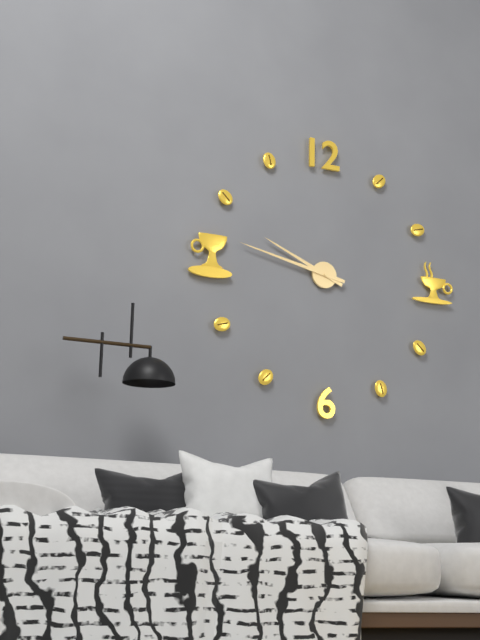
9:47
